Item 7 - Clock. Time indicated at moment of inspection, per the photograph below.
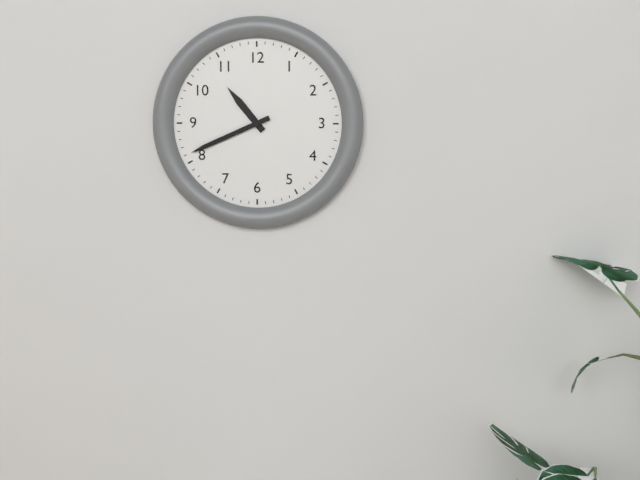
10:41
